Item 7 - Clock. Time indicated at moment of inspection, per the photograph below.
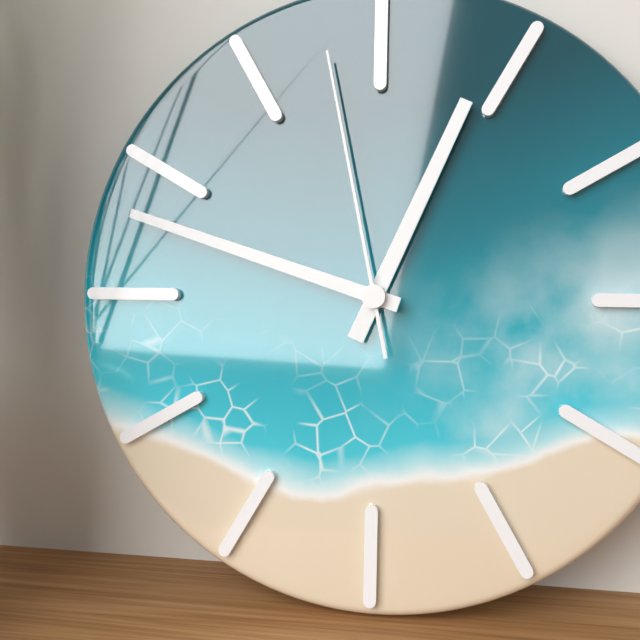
12:48:58
